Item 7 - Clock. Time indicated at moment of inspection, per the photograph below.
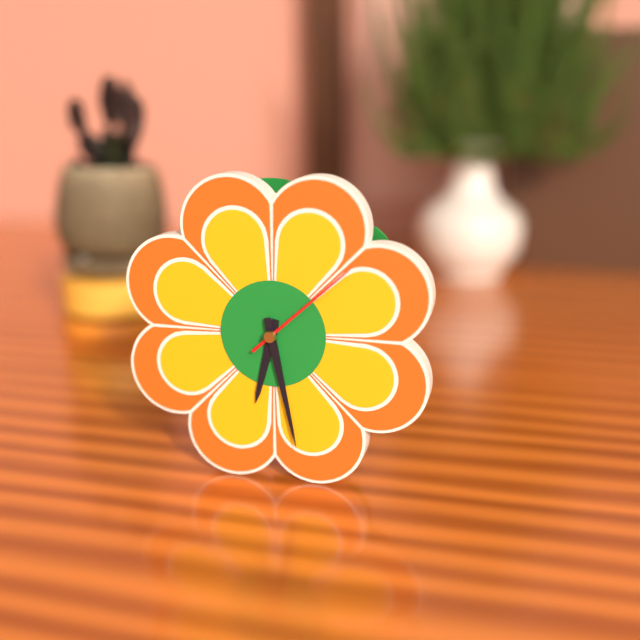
6:28:08
